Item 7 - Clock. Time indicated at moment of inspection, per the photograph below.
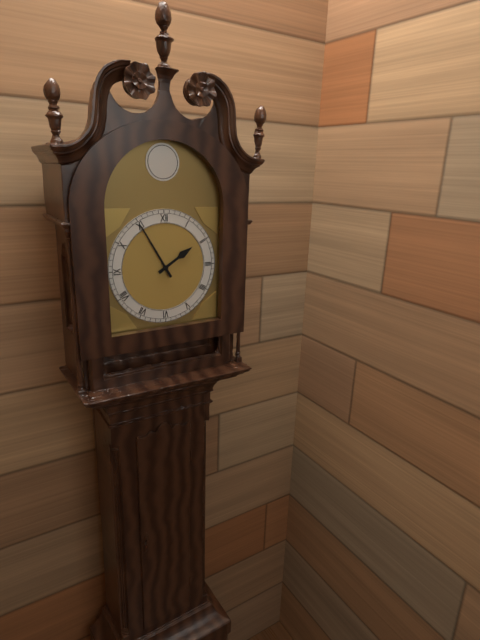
1:55
